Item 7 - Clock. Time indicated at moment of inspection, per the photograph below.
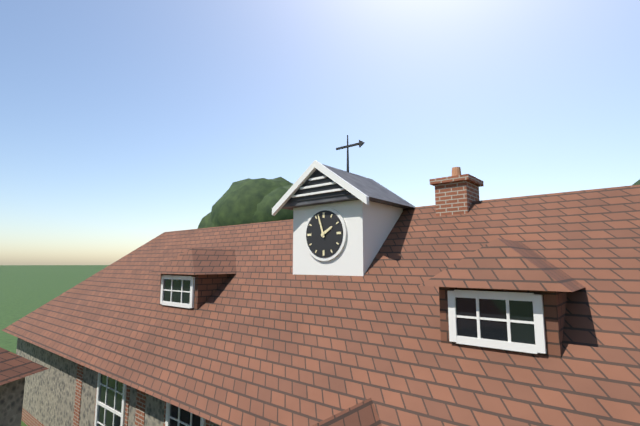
1:57
